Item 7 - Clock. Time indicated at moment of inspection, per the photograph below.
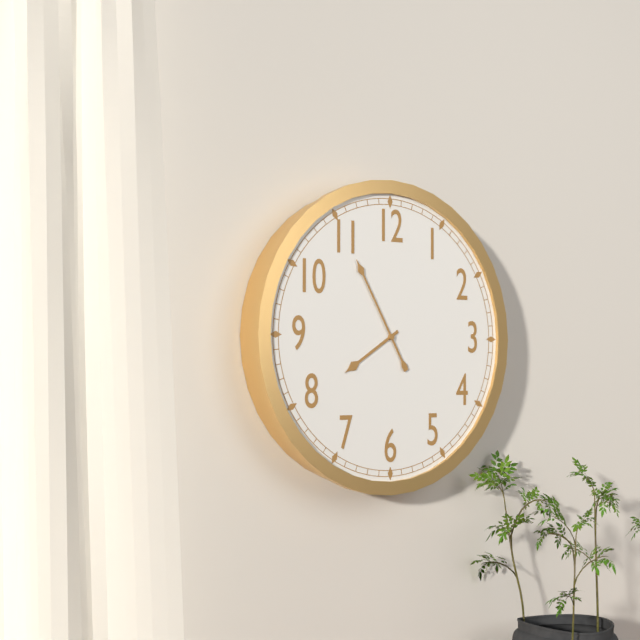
7:55
